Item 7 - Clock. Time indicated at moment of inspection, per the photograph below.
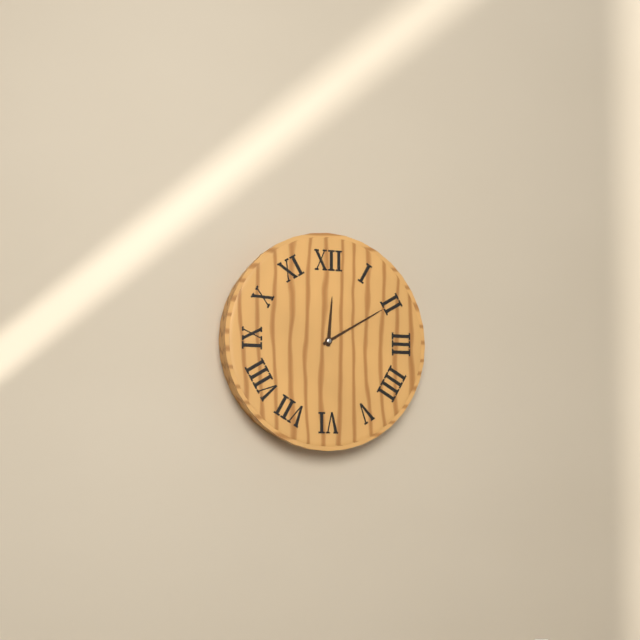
12:10
